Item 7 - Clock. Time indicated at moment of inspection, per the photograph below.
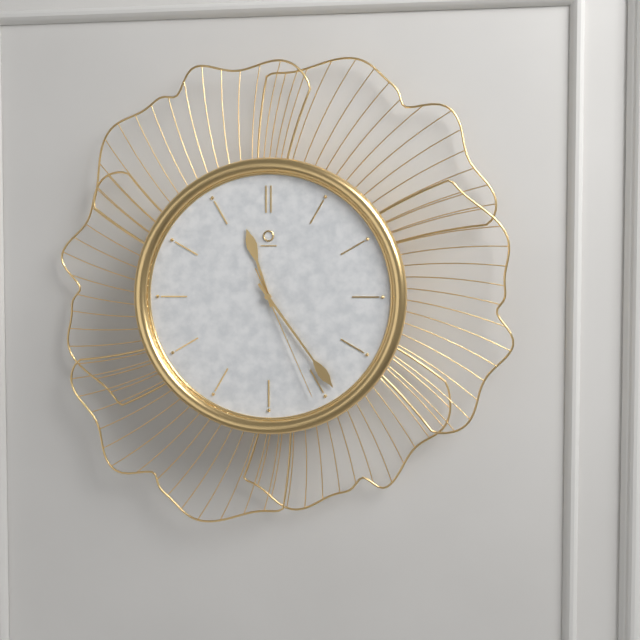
11:24:26
